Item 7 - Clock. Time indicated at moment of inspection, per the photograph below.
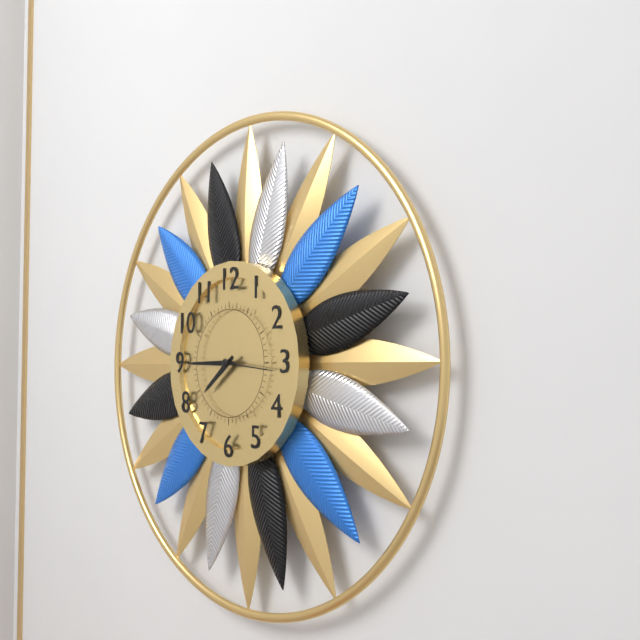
7:45
